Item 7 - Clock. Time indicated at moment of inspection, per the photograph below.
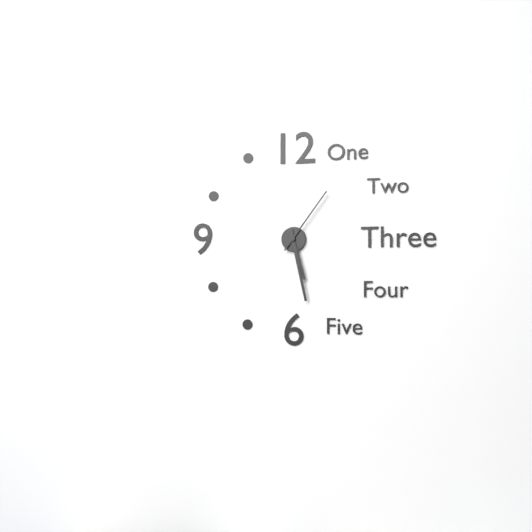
5:28:06
